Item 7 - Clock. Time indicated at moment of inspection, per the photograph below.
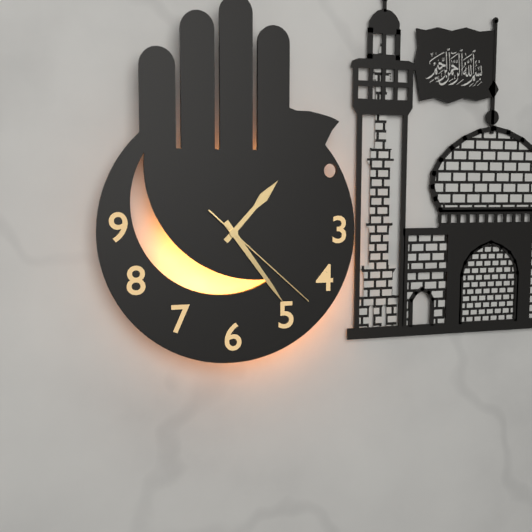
1:24:22
